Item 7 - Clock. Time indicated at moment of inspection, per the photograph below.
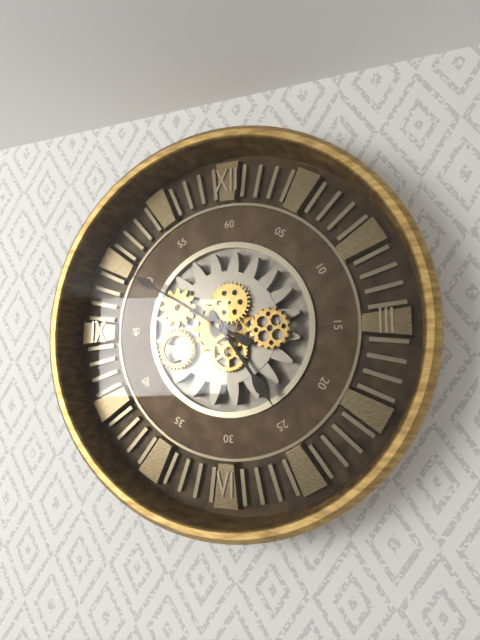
4:50
